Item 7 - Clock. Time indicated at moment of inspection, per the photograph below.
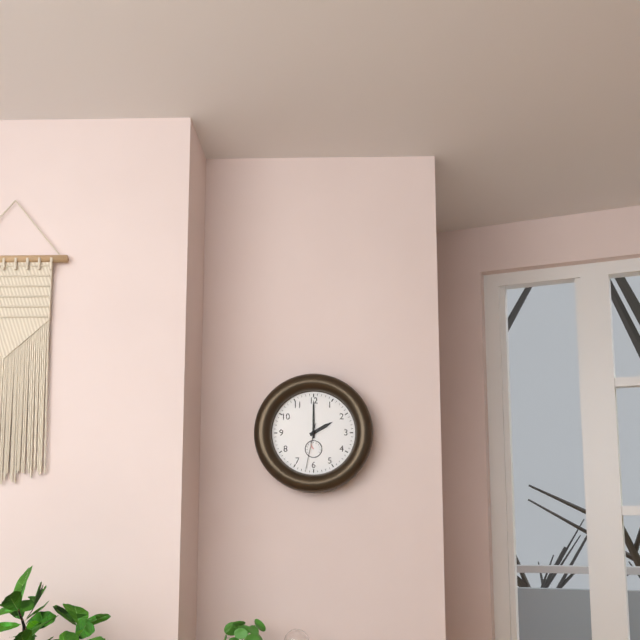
2:00
